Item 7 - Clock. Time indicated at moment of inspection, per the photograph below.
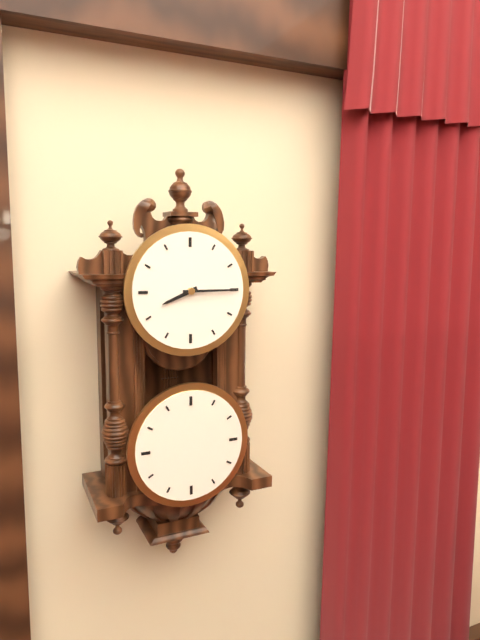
8:15
